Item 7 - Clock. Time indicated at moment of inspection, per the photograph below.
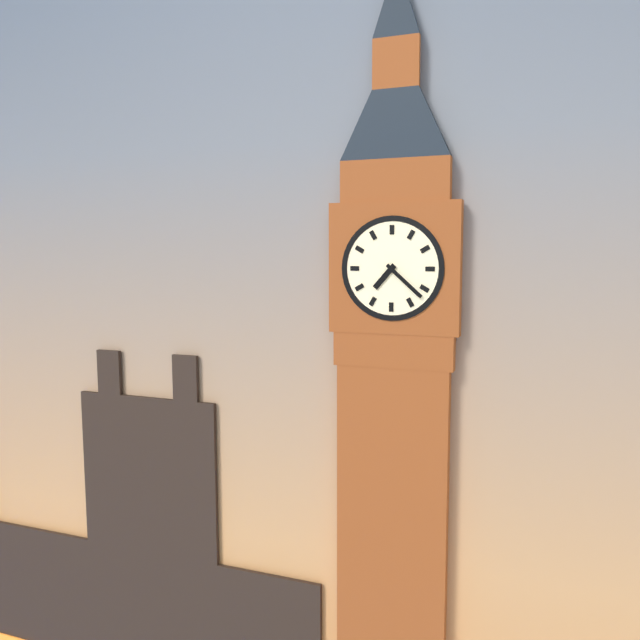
7:22
